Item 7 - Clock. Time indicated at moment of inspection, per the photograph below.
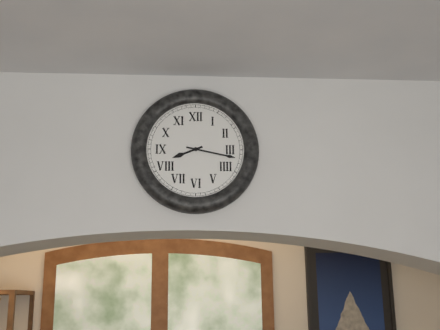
8:17
